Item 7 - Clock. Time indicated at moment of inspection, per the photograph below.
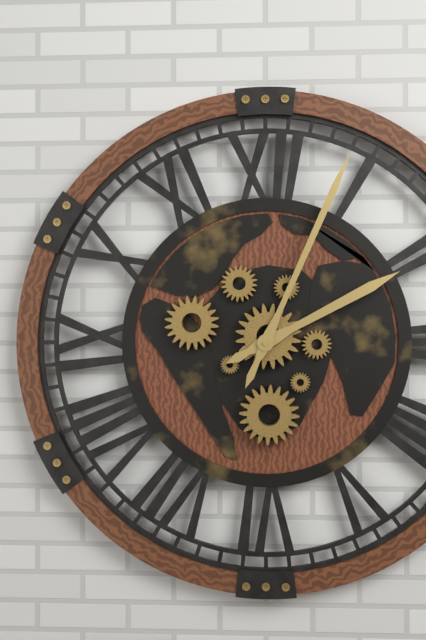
2:04
